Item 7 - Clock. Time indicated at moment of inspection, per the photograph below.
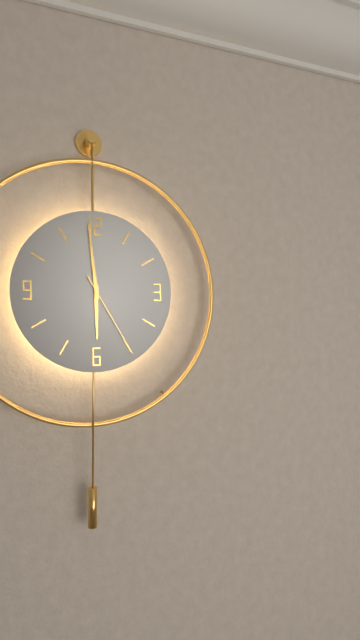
5:59:25
